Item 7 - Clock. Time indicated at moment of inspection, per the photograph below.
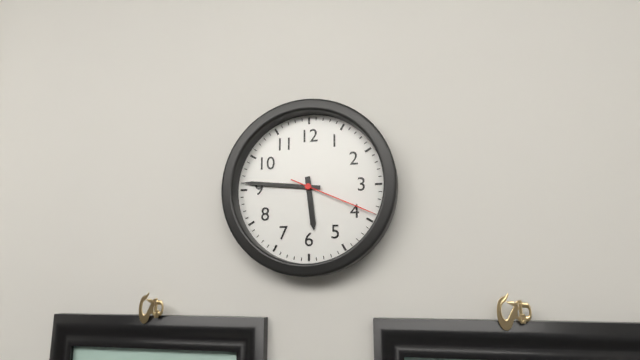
5:46:19
